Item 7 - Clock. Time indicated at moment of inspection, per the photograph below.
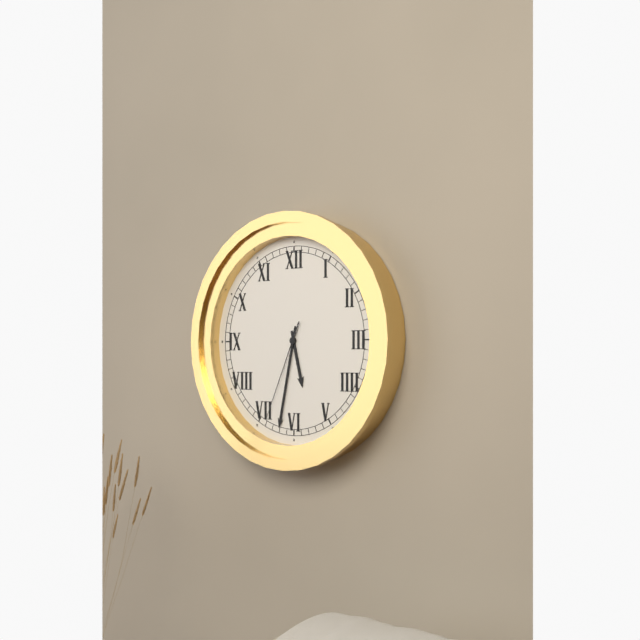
5:32:34
